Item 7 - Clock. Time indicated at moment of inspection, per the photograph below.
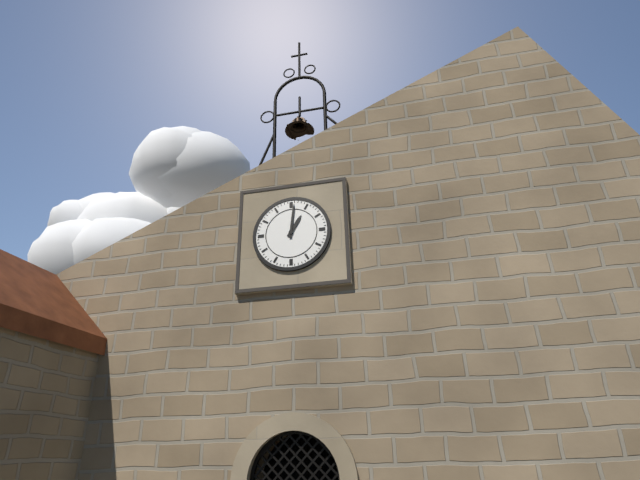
1:01
